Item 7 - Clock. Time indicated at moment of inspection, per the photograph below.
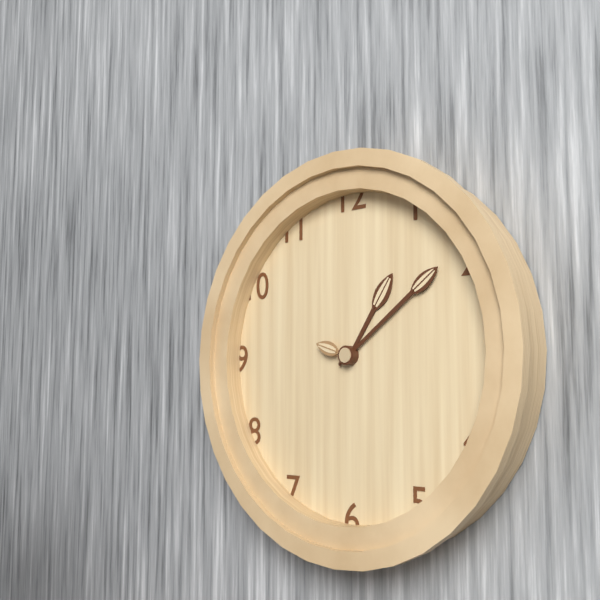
1:09
